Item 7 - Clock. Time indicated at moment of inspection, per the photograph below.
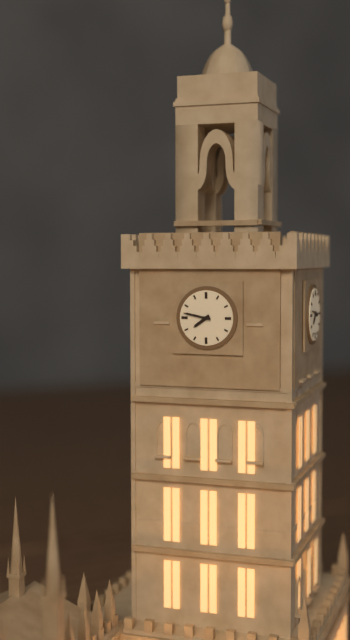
7:47
